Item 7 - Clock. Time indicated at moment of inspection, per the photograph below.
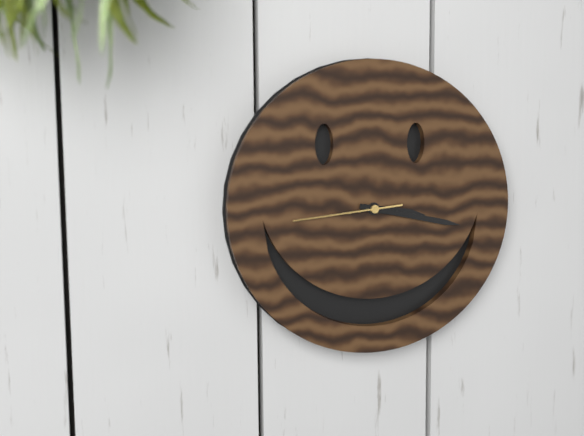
3:17:44
